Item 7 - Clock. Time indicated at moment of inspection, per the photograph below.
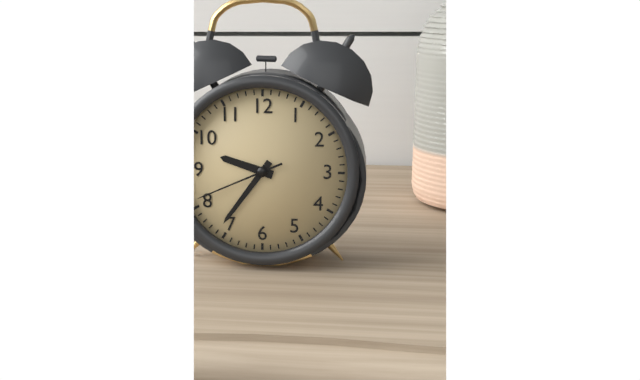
9:36:41
